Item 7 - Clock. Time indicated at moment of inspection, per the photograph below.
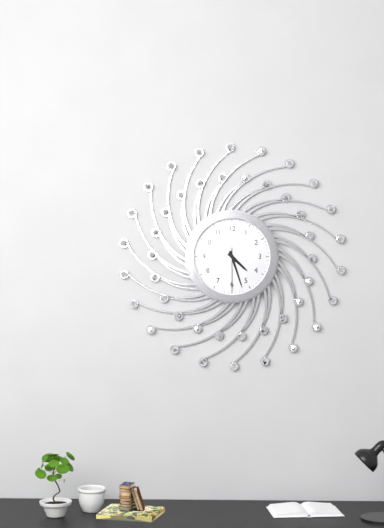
4:27
